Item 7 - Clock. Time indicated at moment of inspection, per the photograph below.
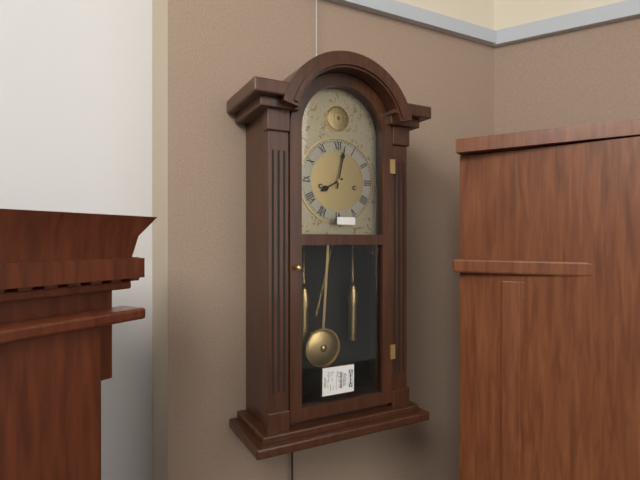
8:02
